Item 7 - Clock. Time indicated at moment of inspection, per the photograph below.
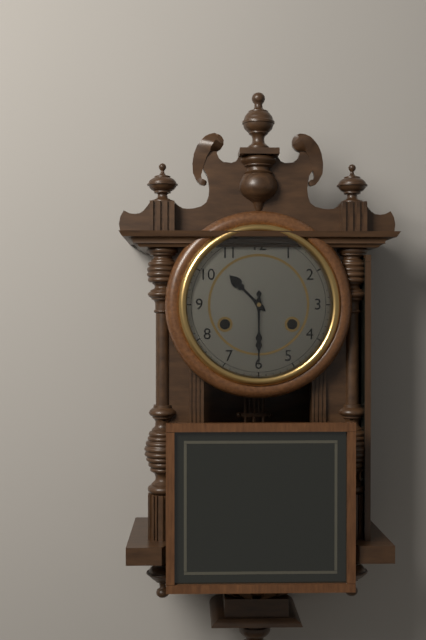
10:30
